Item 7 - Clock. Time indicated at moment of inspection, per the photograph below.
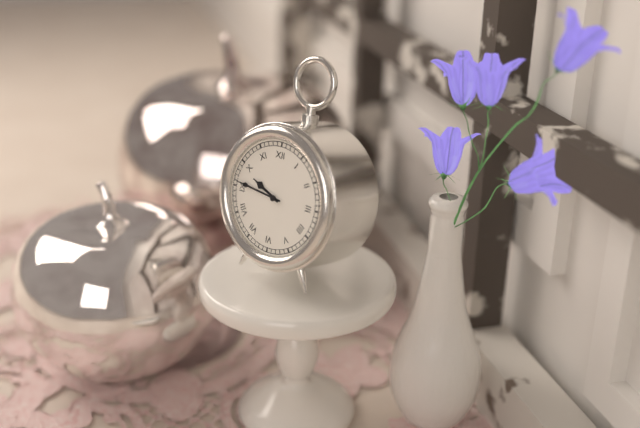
9:46
